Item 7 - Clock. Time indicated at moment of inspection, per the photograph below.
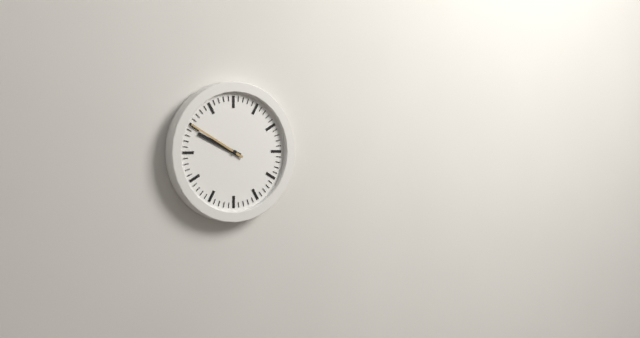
9:50
